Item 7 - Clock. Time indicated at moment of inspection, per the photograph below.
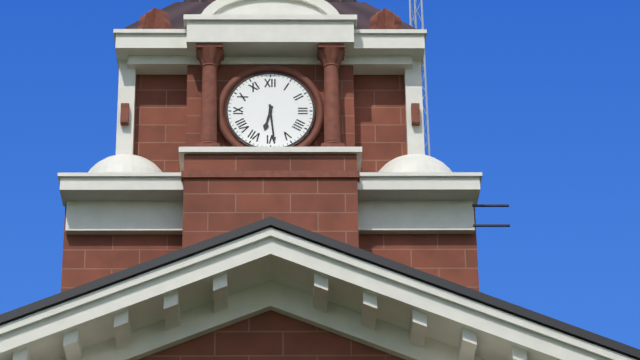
6:29
